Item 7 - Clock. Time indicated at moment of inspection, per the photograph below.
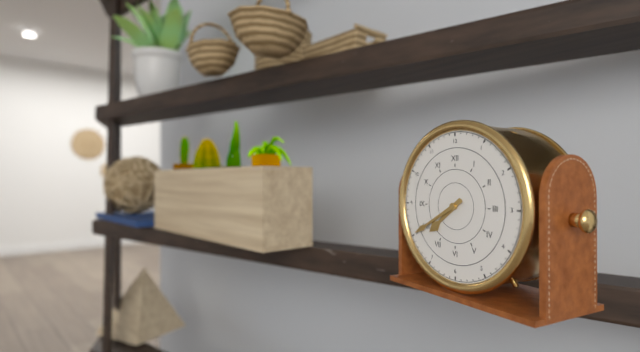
7:40
